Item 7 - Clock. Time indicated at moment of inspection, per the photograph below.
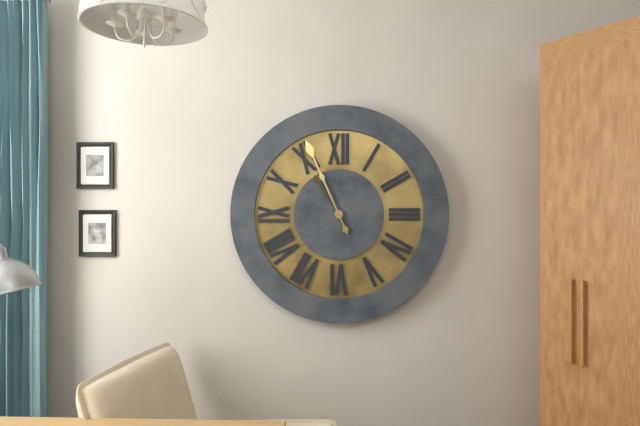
10:56
